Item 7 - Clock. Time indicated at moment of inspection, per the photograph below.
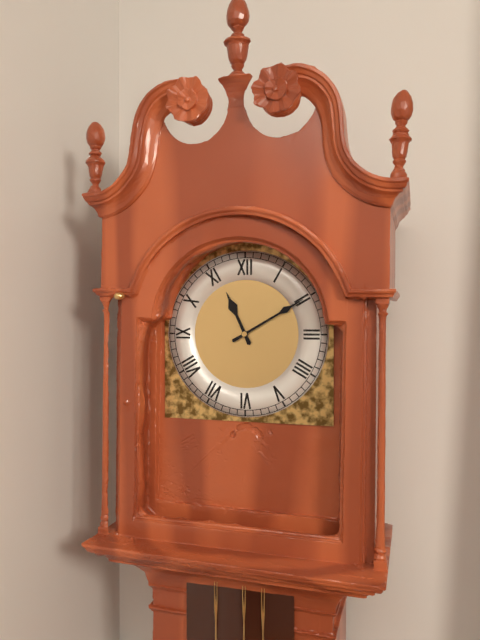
11:10
